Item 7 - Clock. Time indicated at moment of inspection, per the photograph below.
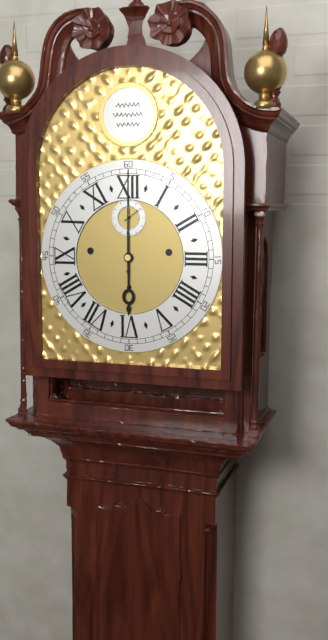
6:00
